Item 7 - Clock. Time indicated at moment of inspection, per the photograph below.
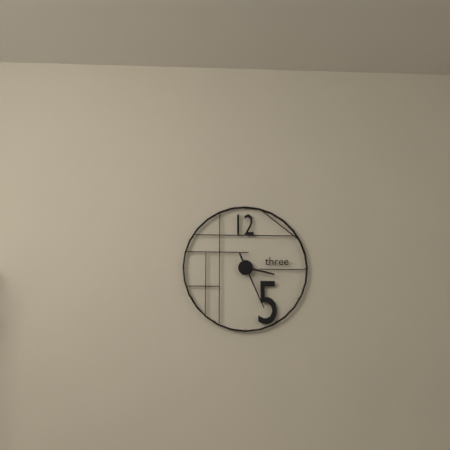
3:26
